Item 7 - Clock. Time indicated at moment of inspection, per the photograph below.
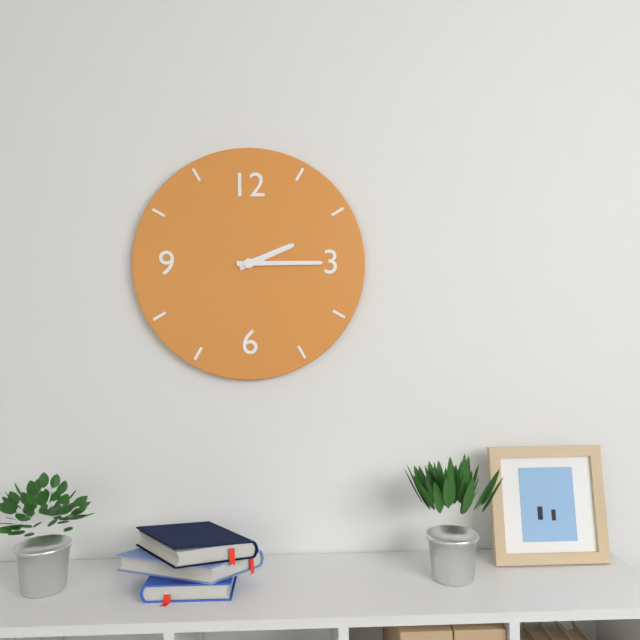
2:15
